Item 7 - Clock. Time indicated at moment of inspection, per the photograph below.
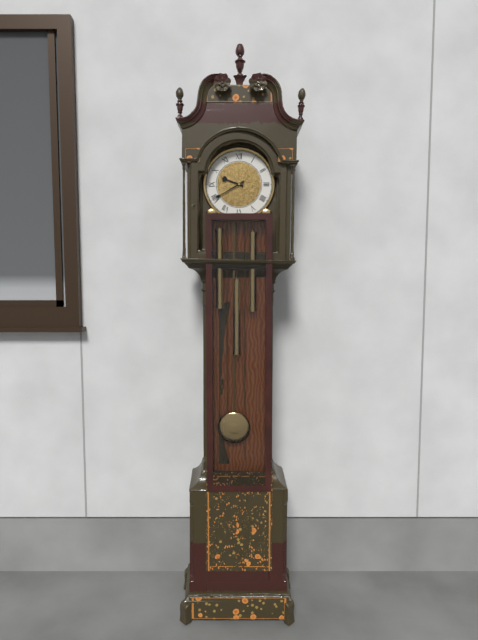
9:40
